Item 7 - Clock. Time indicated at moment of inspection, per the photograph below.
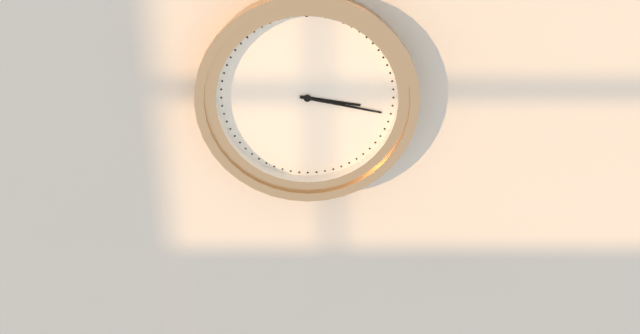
3:17
